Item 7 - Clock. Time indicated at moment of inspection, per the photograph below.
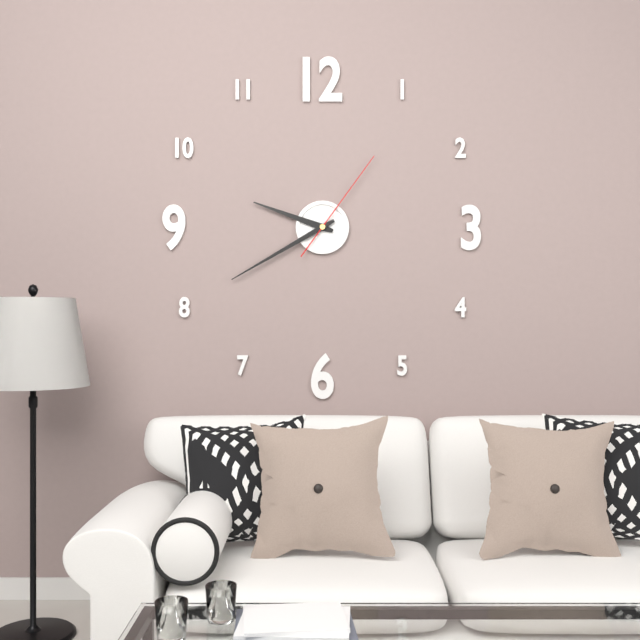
9:40:06
